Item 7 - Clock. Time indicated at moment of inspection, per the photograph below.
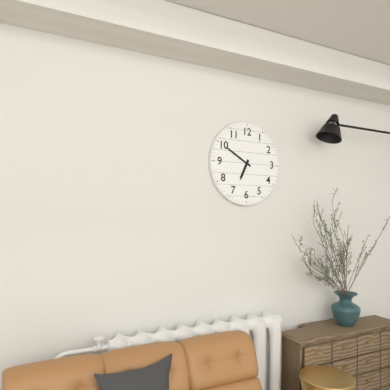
6:50
